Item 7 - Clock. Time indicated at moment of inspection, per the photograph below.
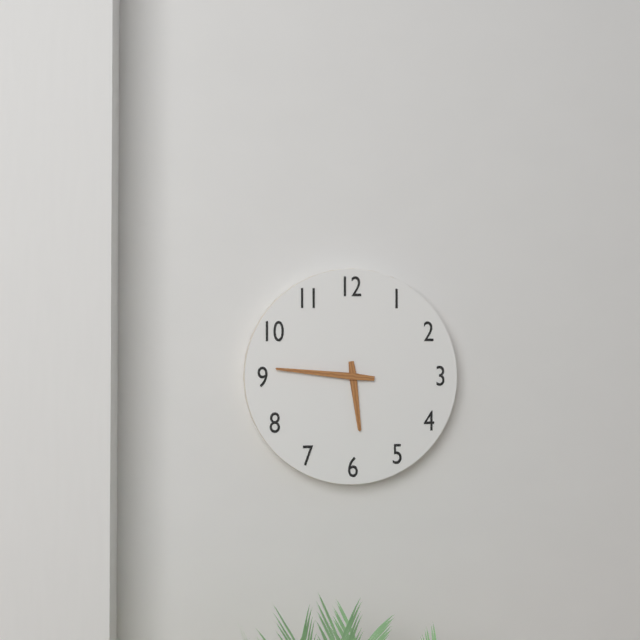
5:46
